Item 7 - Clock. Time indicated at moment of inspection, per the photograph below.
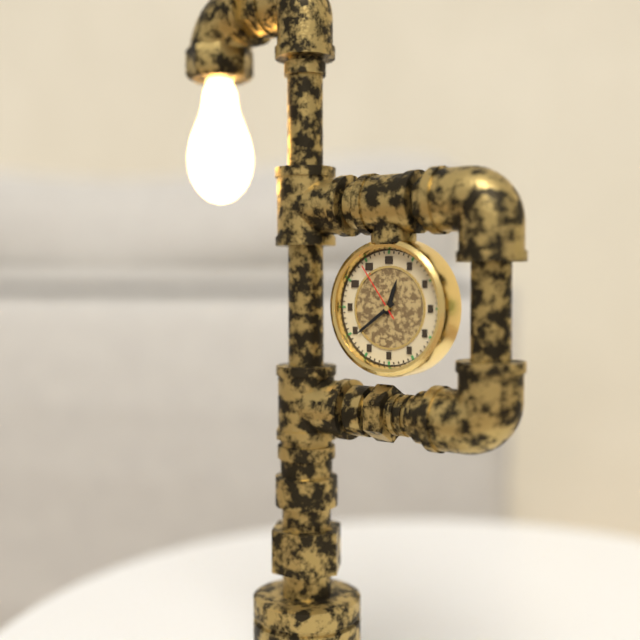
12:39:54
